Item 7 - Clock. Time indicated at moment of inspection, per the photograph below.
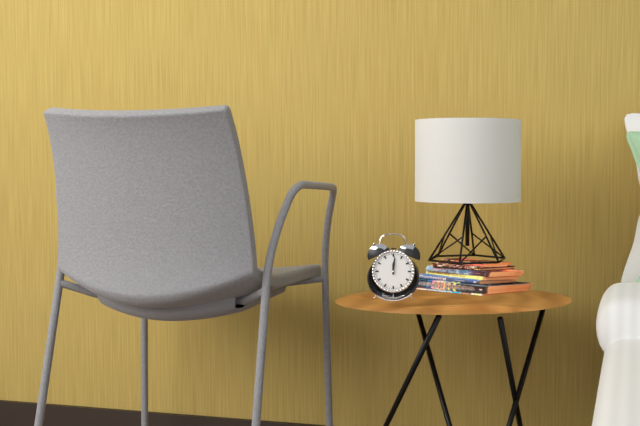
12:01
